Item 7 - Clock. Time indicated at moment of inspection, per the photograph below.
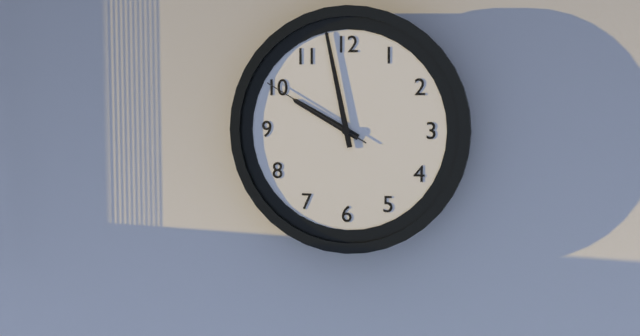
9:58:50
